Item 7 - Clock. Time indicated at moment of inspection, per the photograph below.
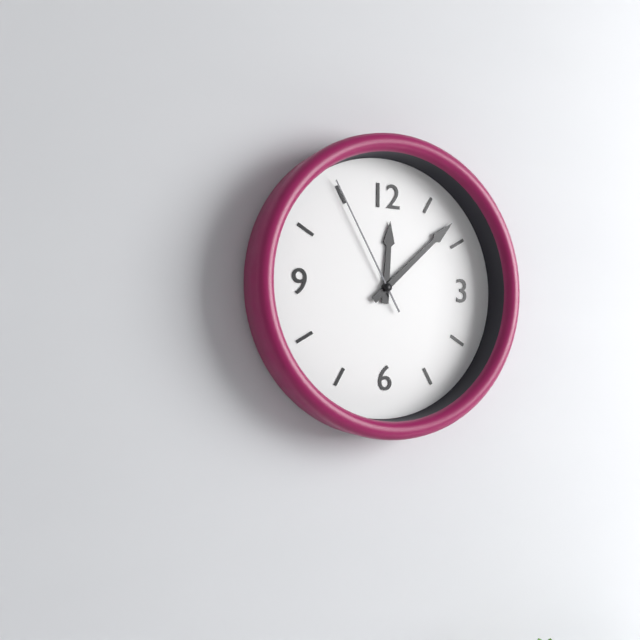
12:08:55
